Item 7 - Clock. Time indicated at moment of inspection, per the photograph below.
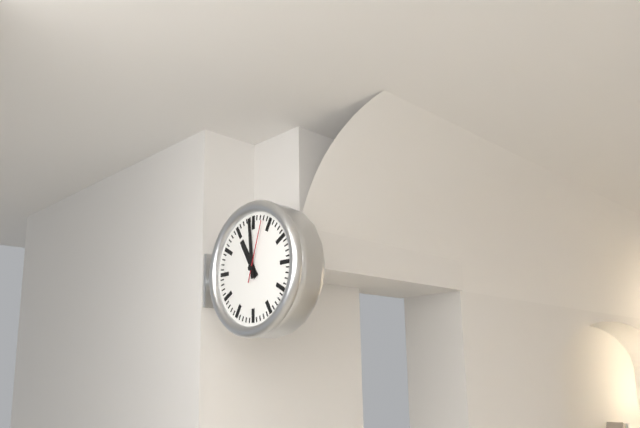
10:59:03
